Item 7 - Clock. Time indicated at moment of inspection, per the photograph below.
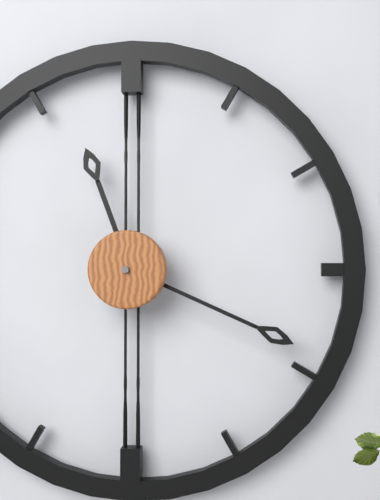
11:19
